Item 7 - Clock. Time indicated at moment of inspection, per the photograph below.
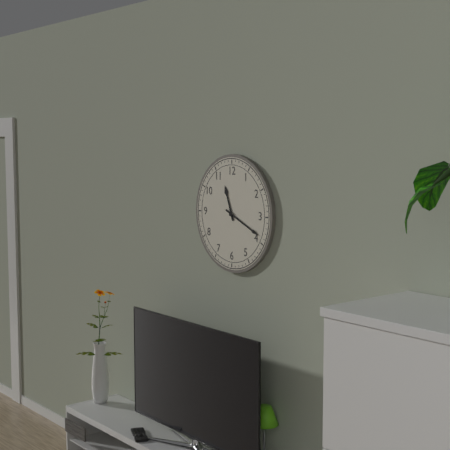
11:19
